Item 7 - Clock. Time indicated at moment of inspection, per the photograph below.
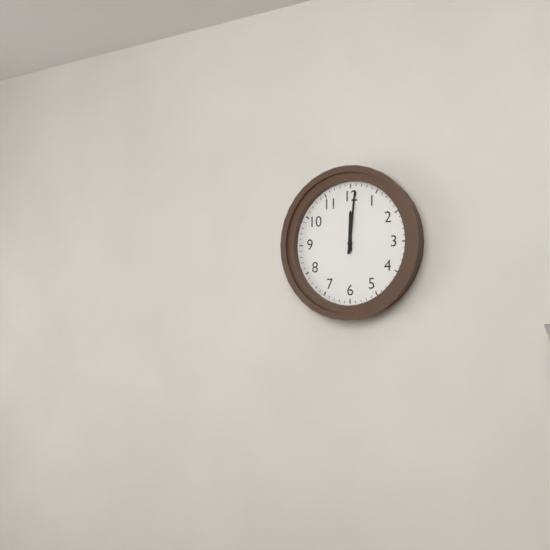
12:01
